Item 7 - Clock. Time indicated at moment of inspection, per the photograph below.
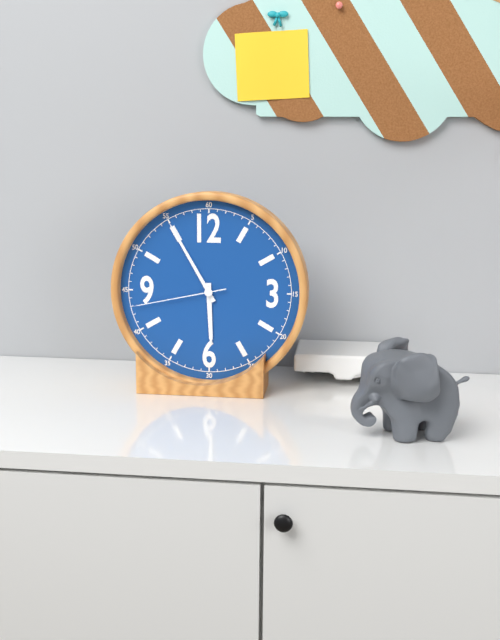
5:55:43
